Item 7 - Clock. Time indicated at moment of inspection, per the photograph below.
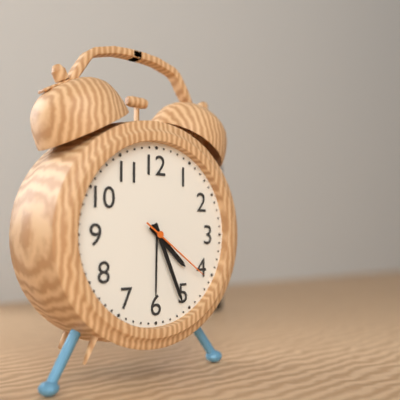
4:26:21
